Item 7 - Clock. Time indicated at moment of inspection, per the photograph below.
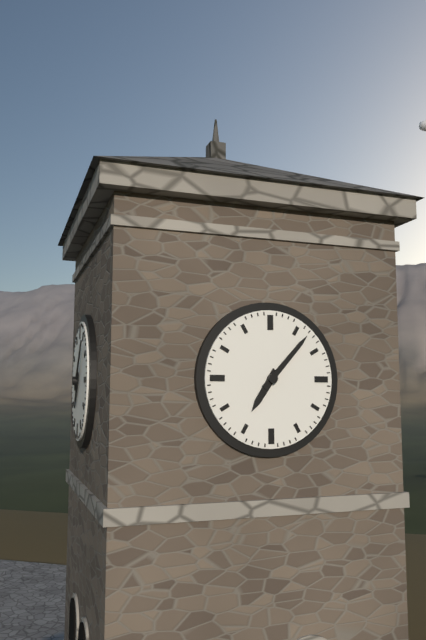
7:07
